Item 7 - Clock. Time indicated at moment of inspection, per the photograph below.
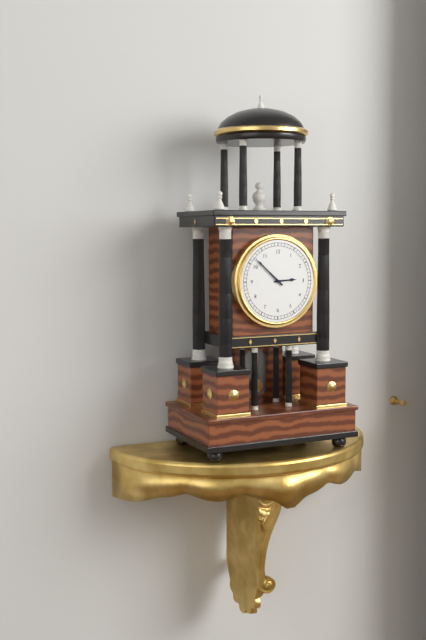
2:52
